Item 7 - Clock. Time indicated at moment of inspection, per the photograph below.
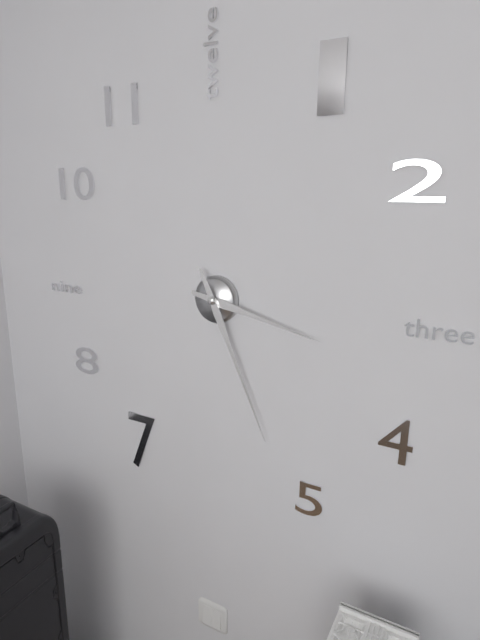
3:26
